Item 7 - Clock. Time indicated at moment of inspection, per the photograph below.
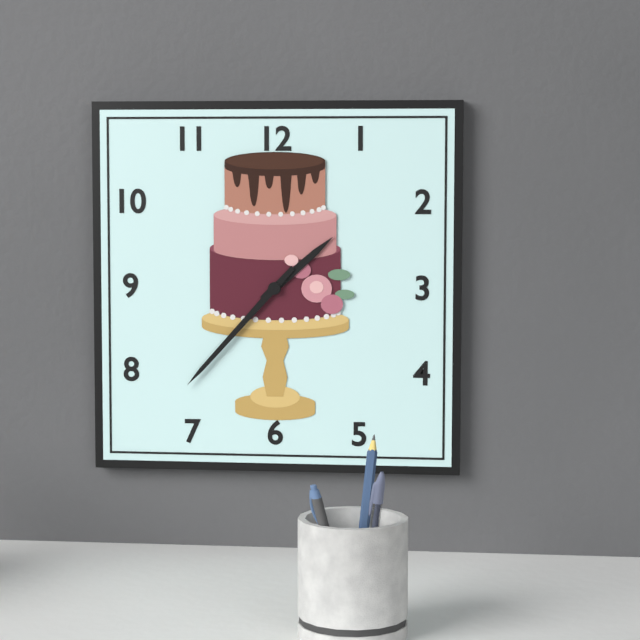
1:37
